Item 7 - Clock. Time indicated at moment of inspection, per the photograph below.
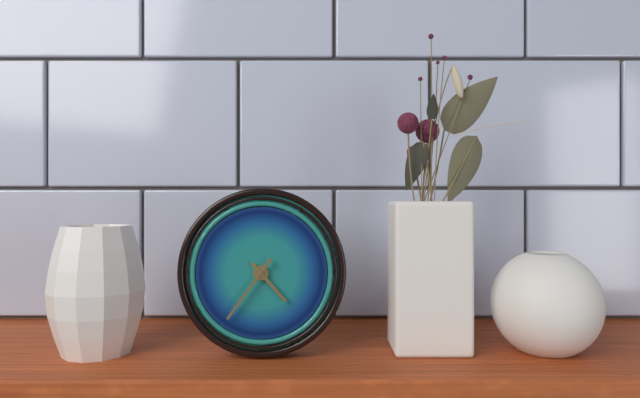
4:36
